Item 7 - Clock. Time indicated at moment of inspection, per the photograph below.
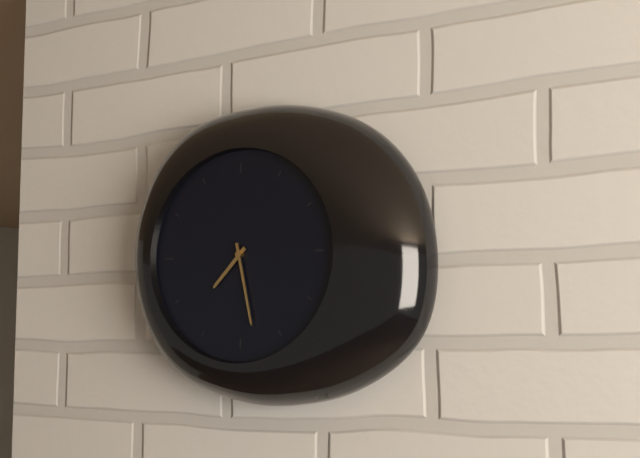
7:28
